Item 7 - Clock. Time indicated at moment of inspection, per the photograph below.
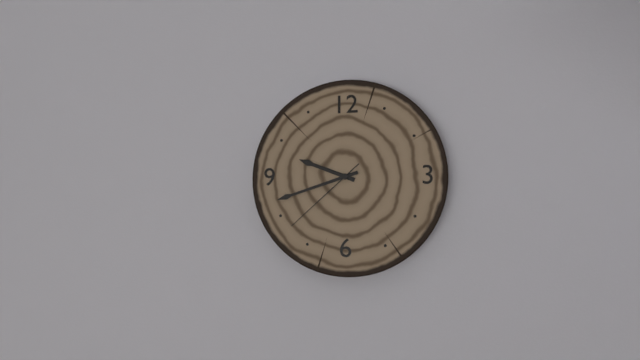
9:42:38
